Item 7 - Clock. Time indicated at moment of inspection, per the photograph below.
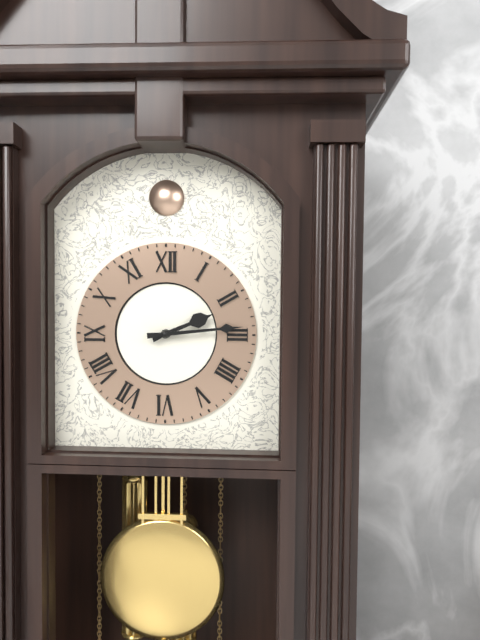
2:14
